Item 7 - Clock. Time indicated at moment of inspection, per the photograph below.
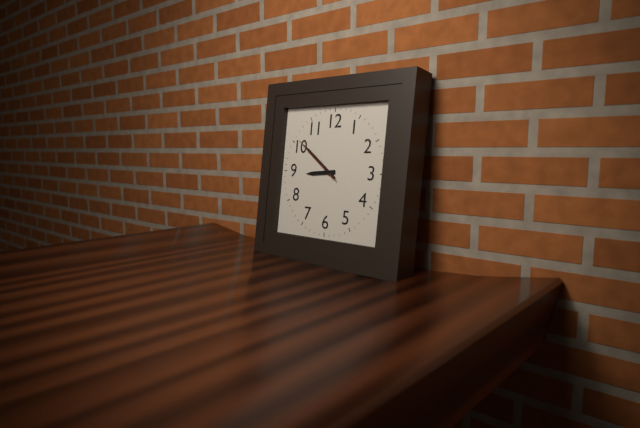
8:51:51
